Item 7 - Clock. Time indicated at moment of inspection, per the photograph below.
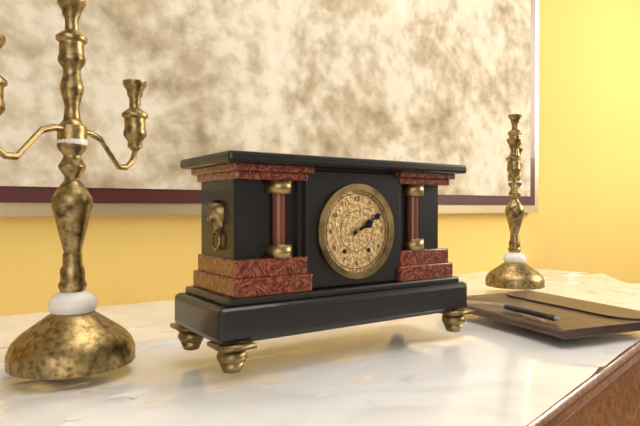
2:10
